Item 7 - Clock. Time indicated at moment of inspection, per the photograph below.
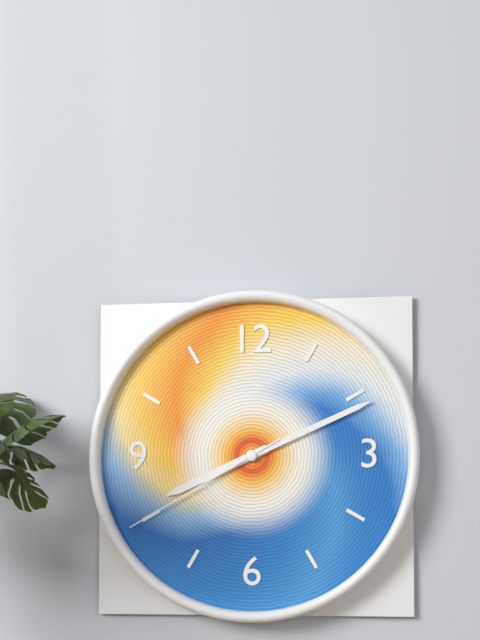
8:11:40
